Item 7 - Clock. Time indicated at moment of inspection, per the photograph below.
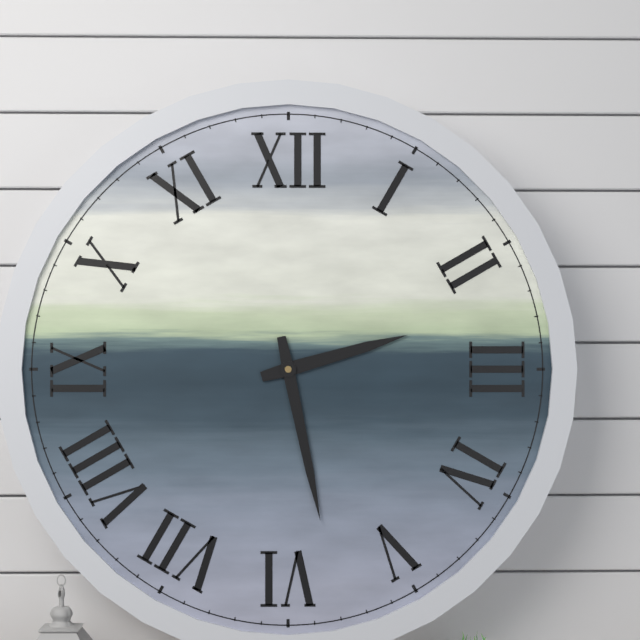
2:28
